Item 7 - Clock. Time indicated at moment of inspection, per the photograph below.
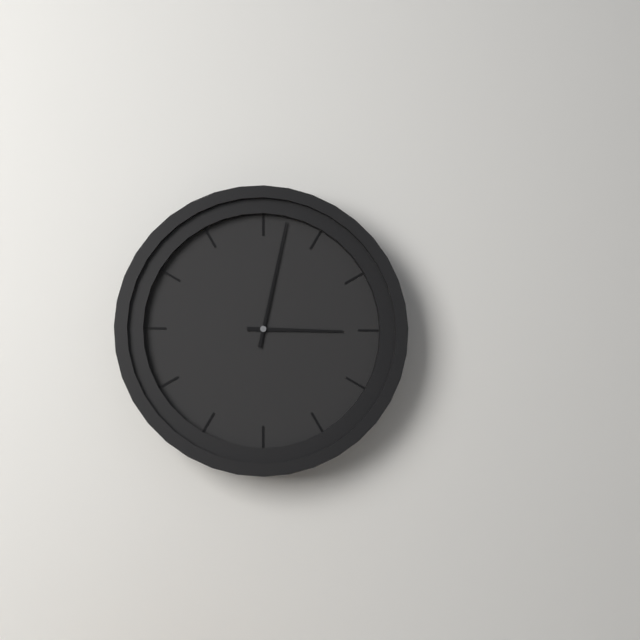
3:02
